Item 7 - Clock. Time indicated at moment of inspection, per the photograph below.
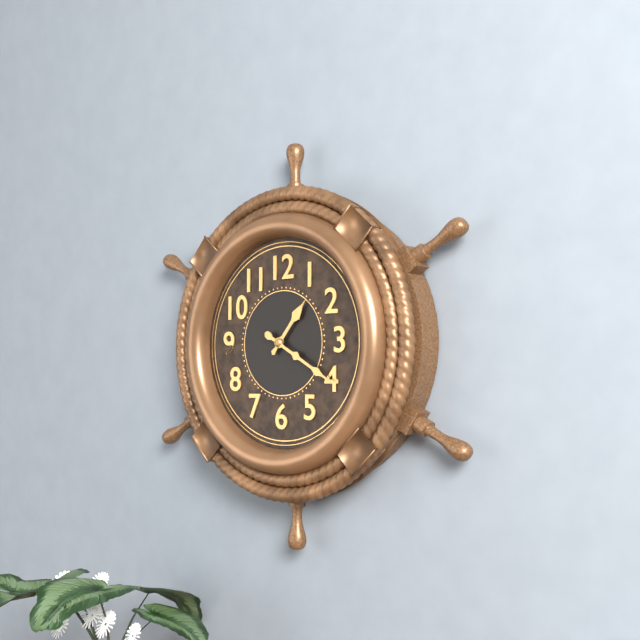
1:20
